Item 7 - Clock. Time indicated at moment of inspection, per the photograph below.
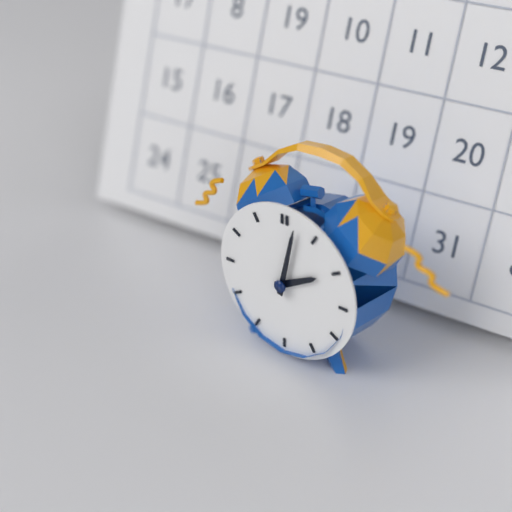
2:02
